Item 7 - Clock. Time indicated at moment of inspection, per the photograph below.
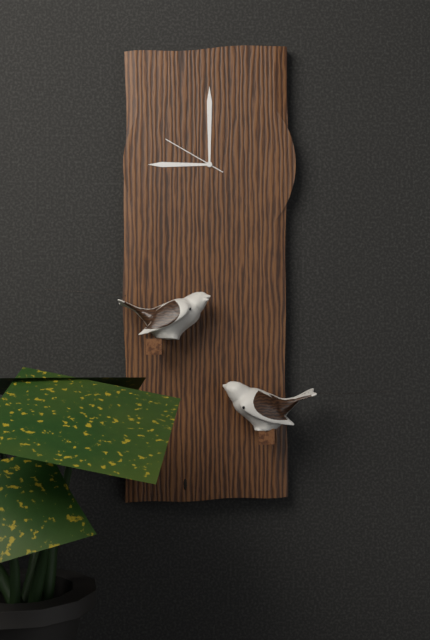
9:00:50
